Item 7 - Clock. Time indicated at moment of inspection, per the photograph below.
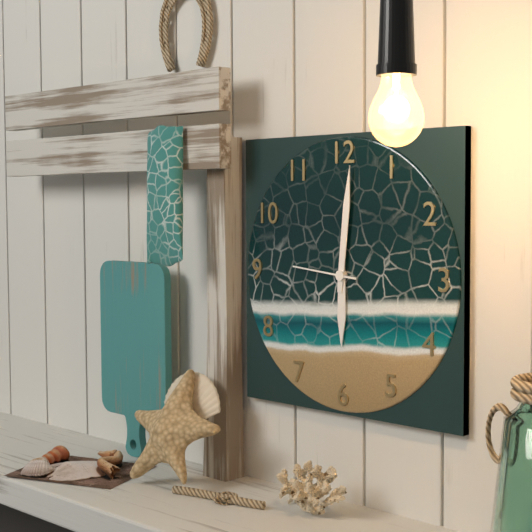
6:01:46
